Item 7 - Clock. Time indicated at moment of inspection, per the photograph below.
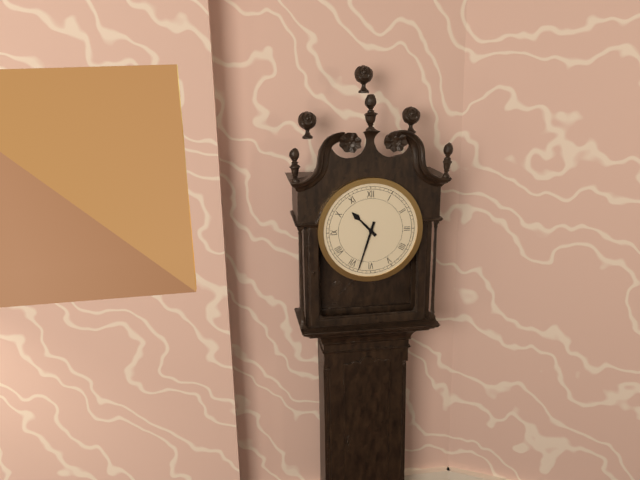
10:33
